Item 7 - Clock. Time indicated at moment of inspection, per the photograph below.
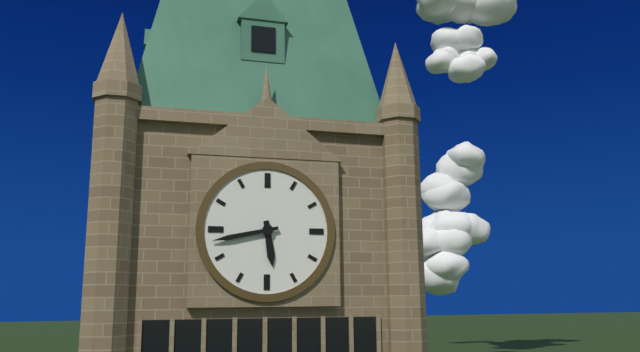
5:43
